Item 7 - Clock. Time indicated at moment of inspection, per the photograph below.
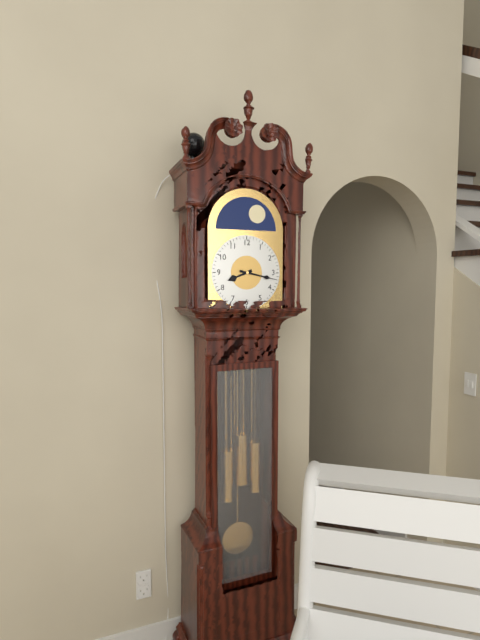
8:17
